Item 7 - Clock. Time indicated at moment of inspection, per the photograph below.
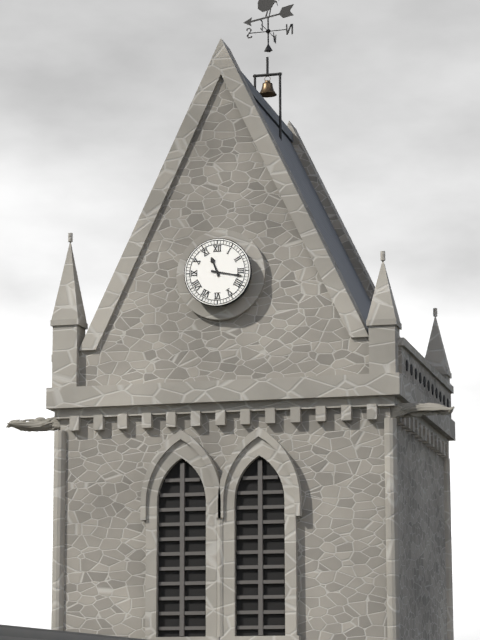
11:17
